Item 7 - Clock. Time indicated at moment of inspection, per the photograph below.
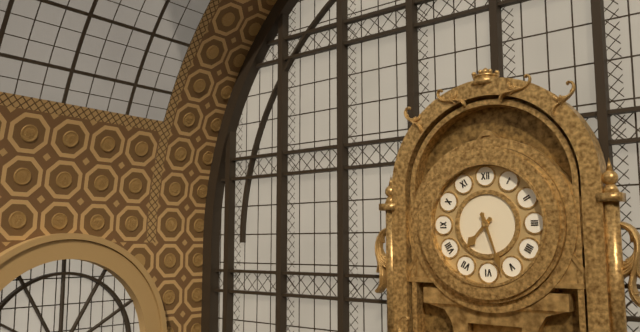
7:27
